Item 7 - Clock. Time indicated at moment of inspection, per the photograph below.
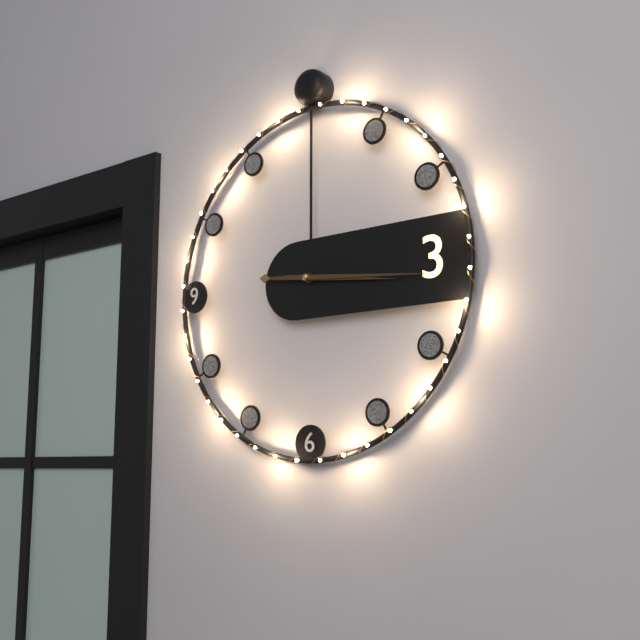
3:16
